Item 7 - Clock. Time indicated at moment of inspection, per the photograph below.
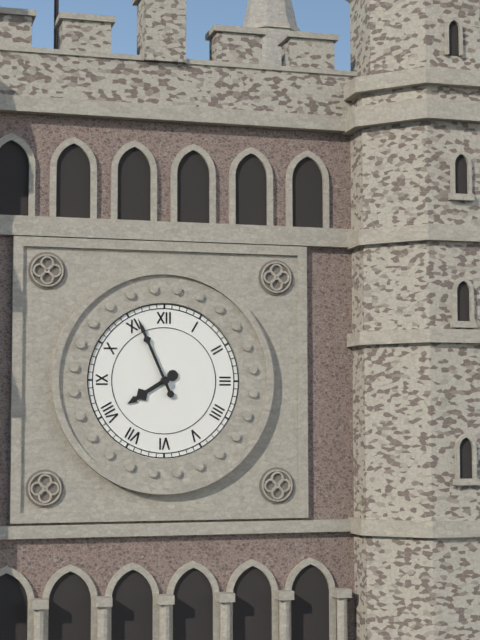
7:56
